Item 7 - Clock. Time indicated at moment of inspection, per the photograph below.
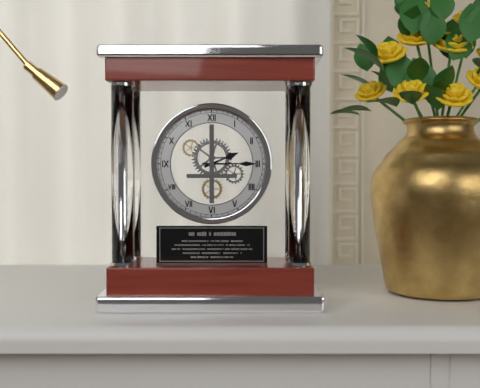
2:15
